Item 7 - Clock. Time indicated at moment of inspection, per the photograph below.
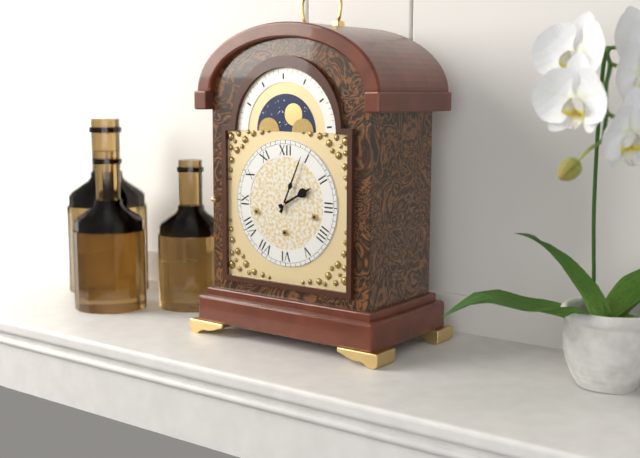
2:04
